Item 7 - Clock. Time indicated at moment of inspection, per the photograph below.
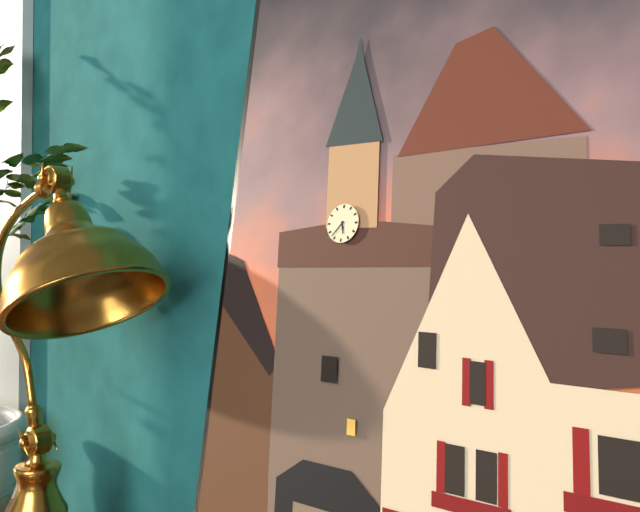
5:37
